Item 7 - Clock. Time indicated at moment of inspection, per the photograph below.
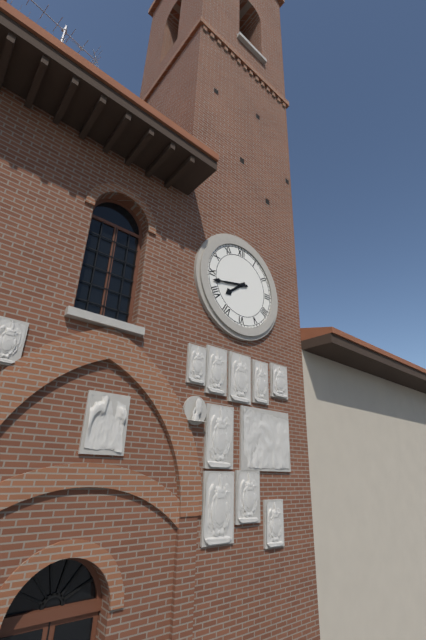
7:43
